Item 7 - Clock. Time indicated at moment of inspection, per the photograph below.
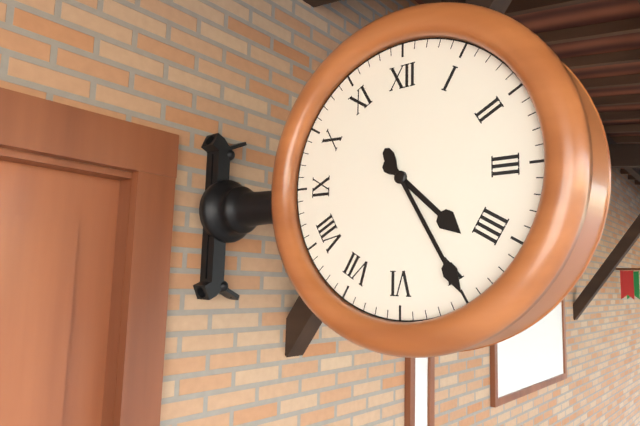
4:25
